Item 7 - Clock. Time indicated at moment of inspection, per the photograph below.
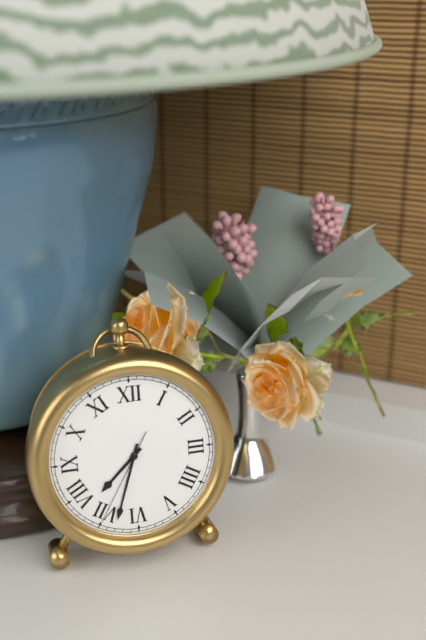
7:33:35
